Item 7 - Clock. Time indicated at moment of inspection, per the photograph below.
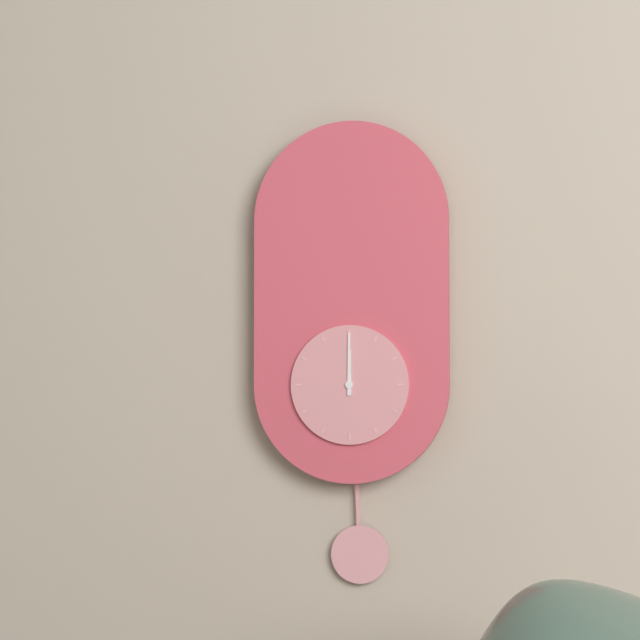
12:00
